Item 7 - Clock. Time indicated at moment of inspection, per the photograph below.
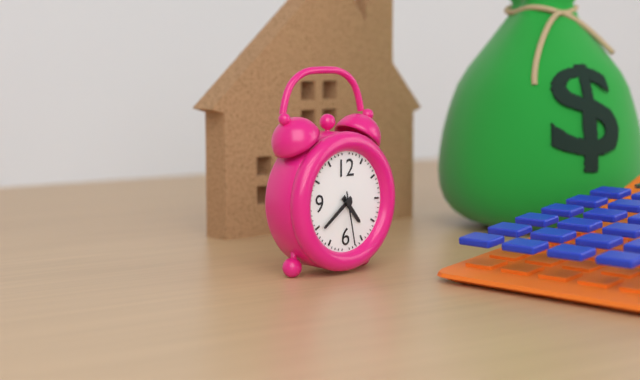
4:39:28
